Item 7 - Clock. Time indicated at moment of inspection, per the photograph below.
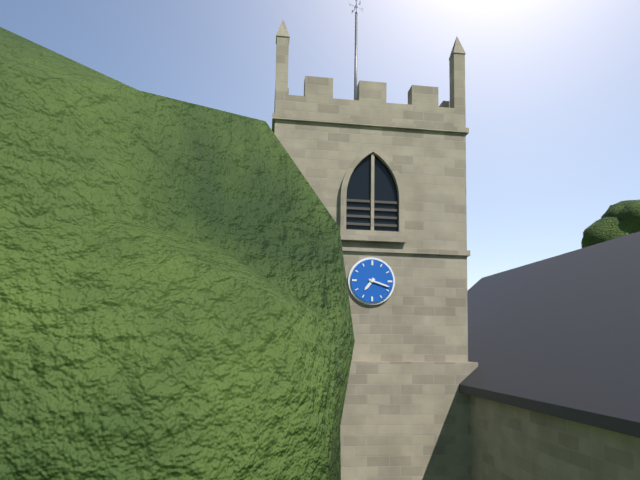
7:18
